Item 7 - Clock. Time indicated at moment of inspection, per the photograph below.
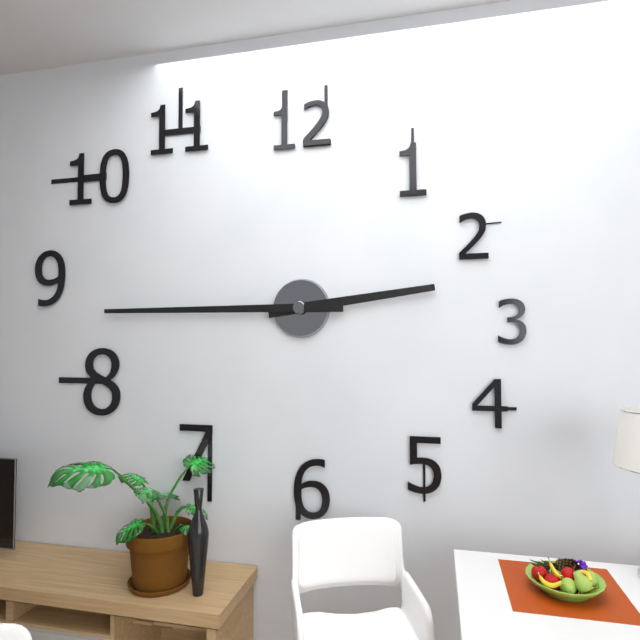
2:45
